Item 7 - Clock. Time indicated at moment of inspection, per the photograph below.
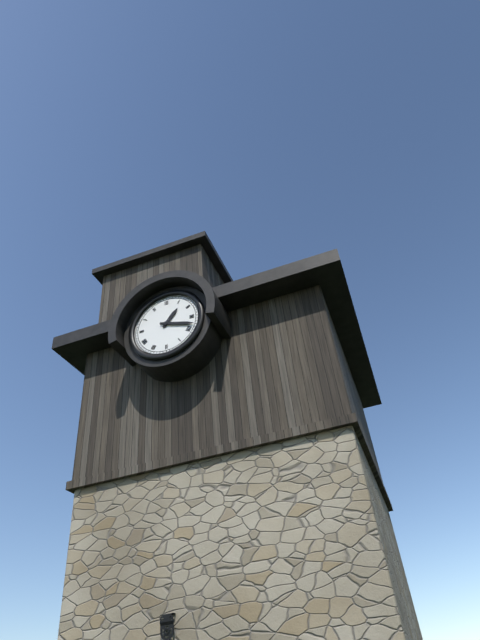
1:18
